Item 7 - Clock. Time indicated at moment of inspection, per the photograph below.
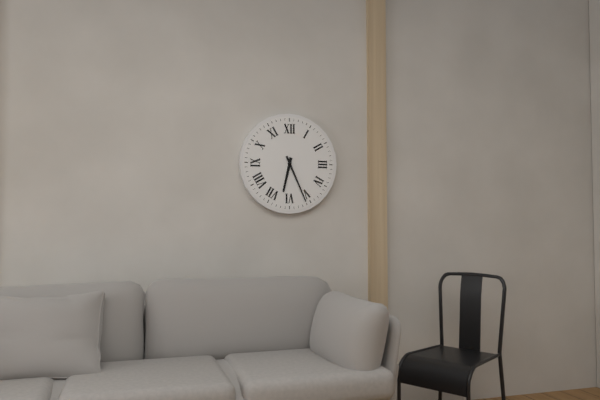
6:26
